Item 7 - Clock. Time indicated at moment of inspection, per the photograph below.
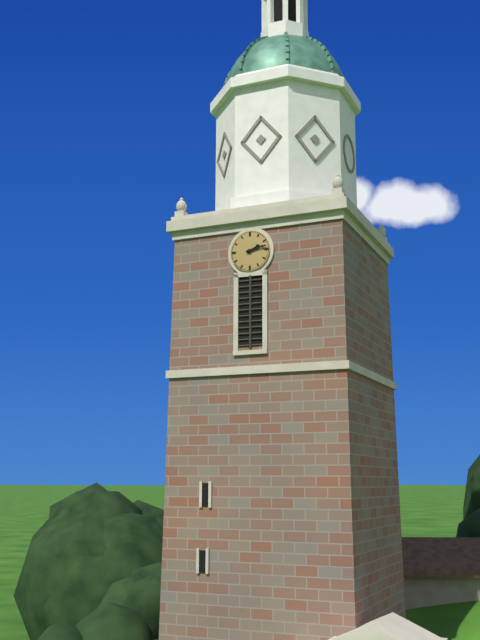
2:13
